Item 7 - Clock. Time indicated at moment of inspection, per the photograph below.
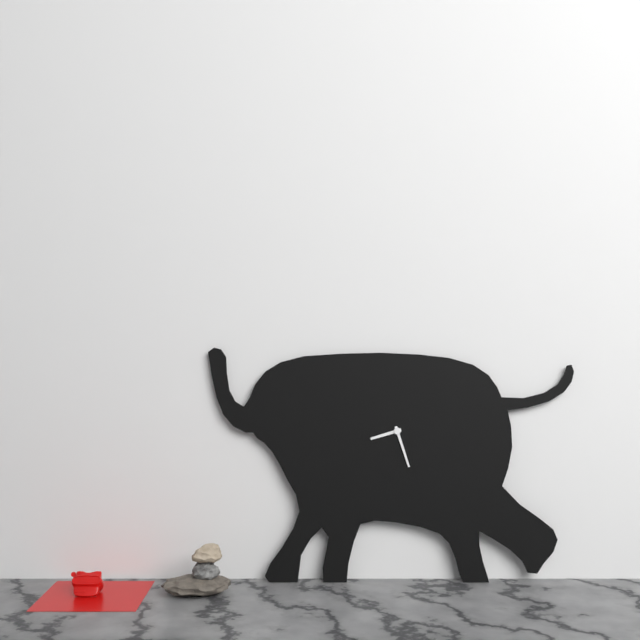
8:27
